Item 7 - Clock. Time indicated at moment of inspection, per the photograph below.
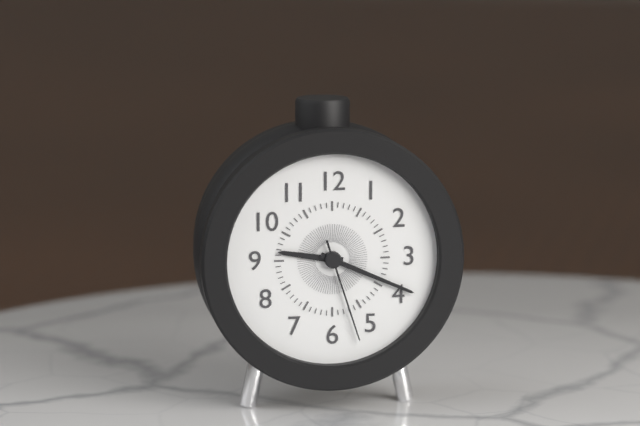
9:19:27
